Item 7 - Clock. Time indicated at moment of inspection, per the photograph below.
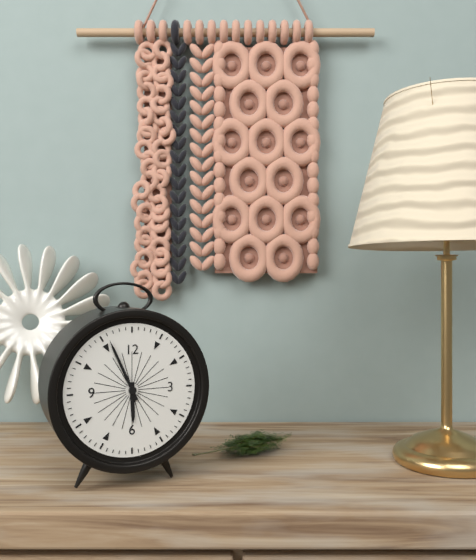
5:56
